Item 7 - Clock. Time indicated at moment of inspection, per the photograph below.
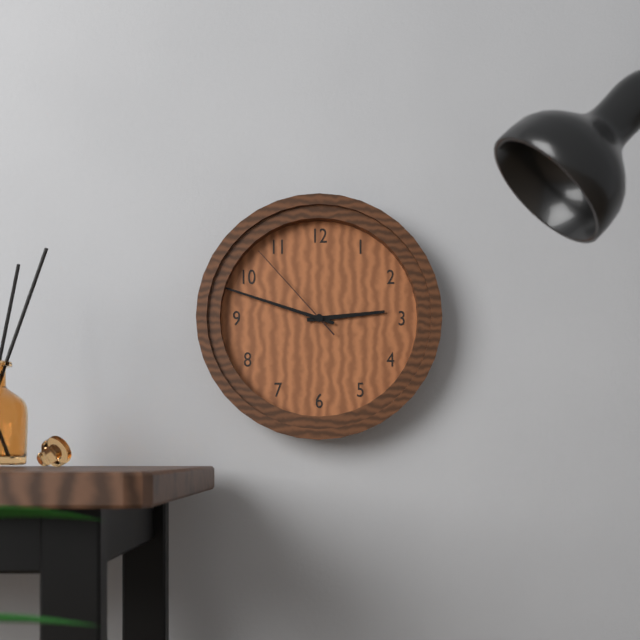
2:48:53
